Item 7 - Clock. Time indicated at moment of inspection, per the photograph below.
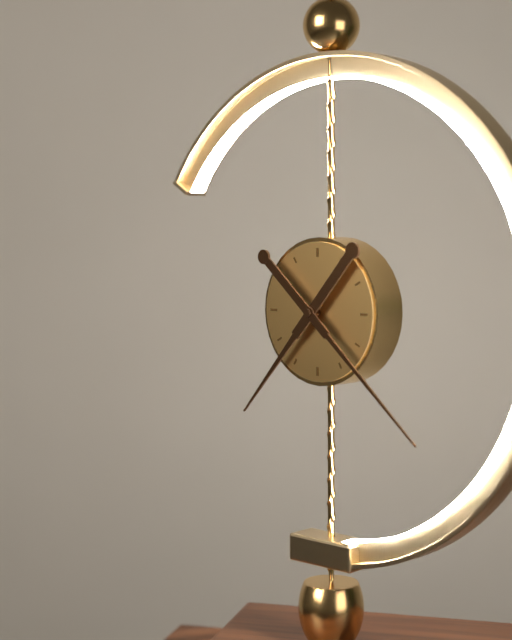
7:22
